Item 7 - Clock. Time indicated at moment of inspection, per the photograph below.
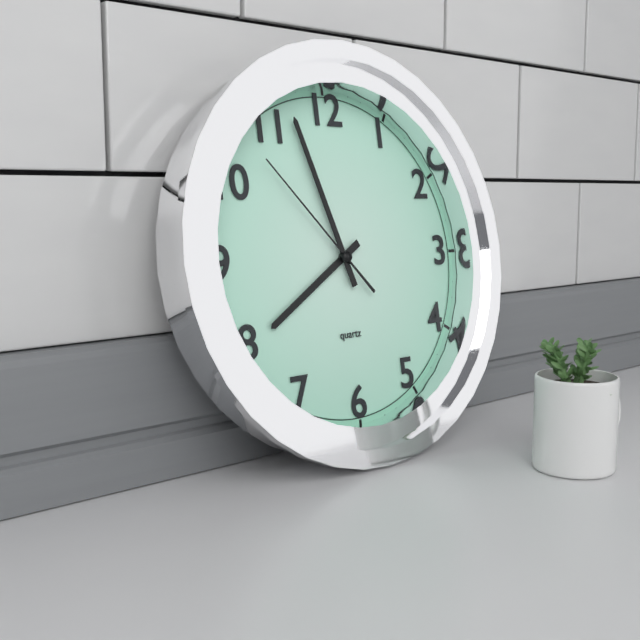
7:57:53
